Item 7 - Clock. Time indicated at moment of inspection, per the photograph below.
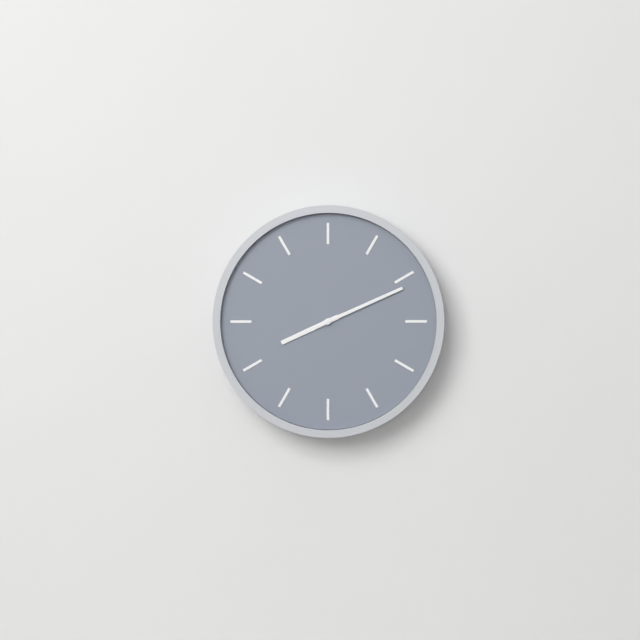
8:11
